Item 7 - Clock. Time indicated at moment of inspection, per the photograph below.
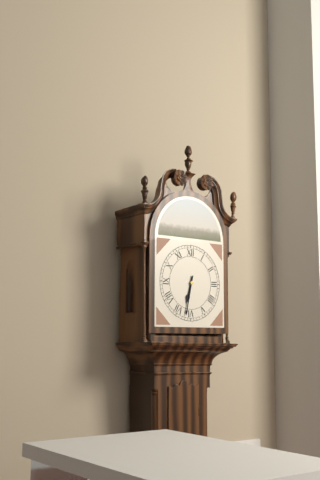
6:32
